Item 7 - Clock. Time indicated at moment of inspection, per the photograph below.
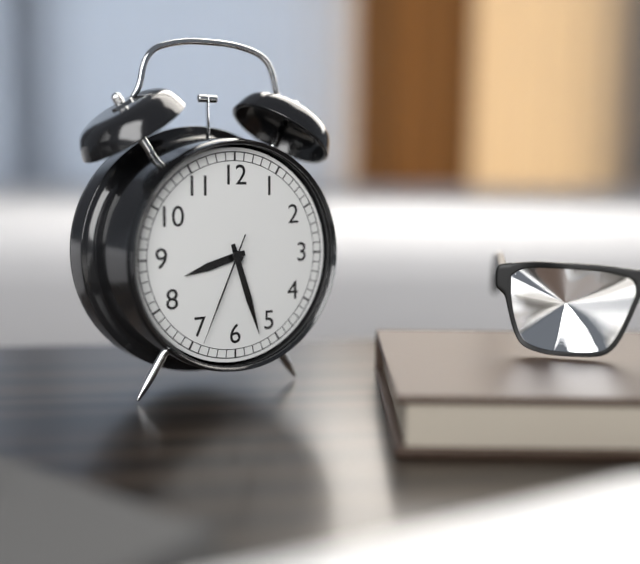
8:27:34
